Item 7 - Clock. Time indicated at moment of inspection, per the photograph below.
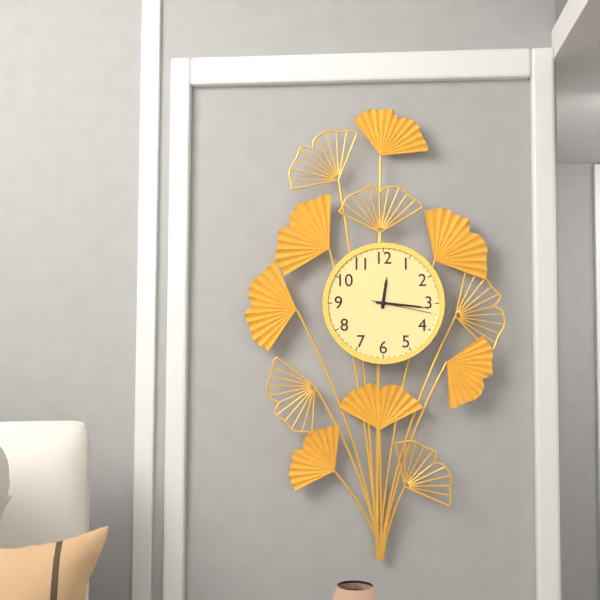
12:16:17
